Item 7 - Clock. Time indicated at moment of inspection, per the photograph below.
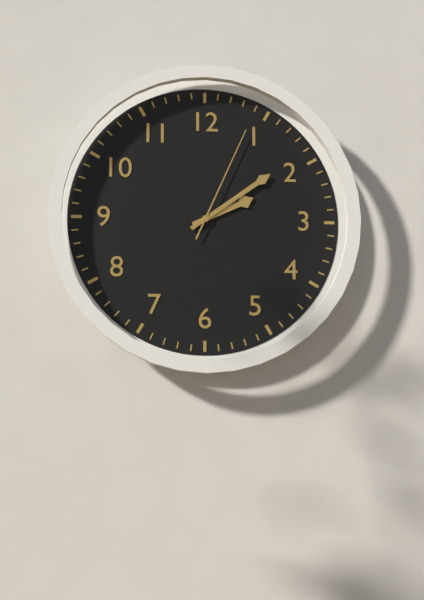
2:09:04
